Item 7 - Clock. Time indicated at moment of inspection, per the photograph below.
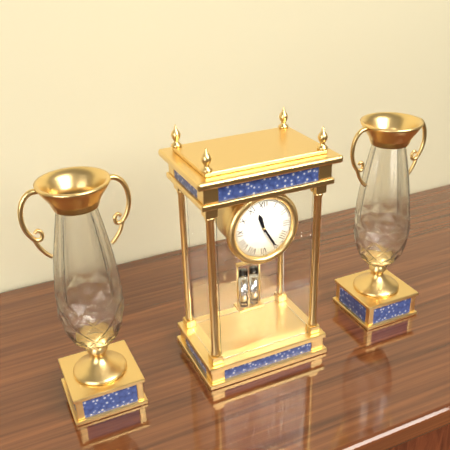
11:25
